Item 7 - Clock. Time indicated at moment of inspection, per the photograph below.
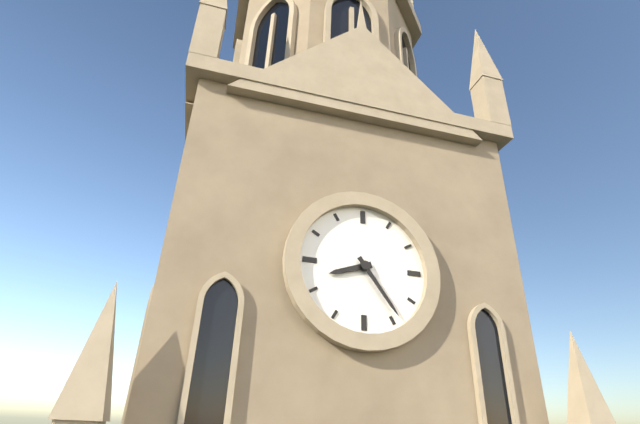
8:24
